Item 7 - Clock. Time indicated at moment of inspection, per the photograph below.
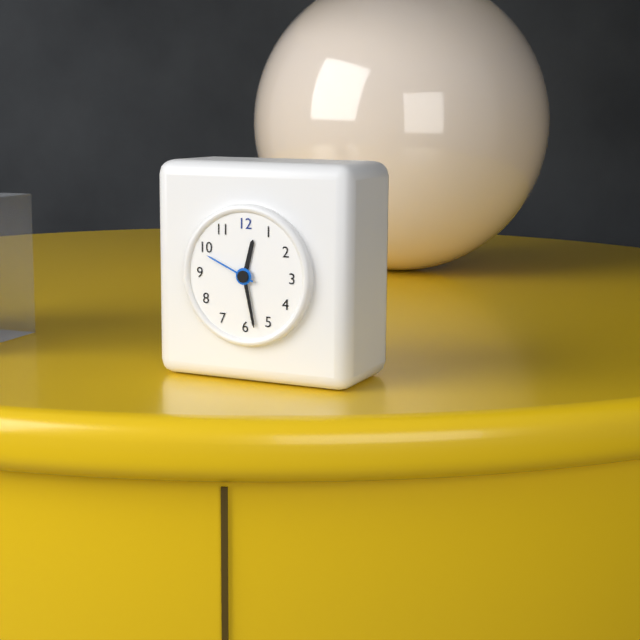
12:28:49
